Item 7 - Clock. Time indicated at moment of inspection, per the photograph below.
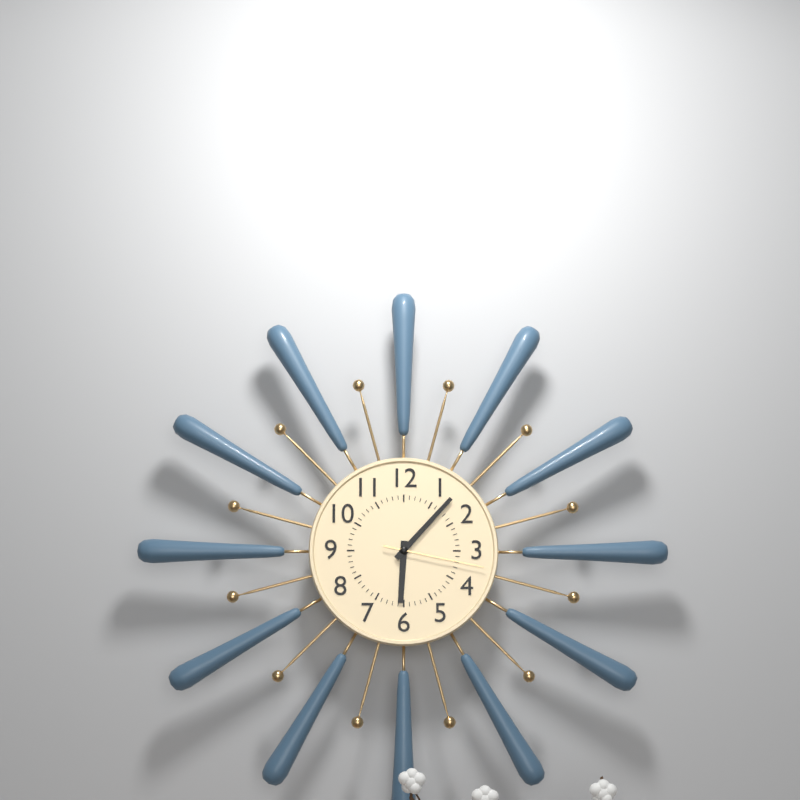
6:07:17
